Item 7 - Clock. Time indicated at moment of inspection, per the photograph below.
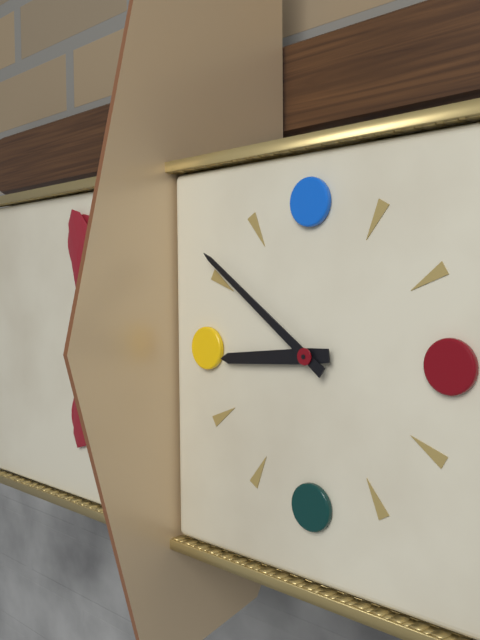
8:51
